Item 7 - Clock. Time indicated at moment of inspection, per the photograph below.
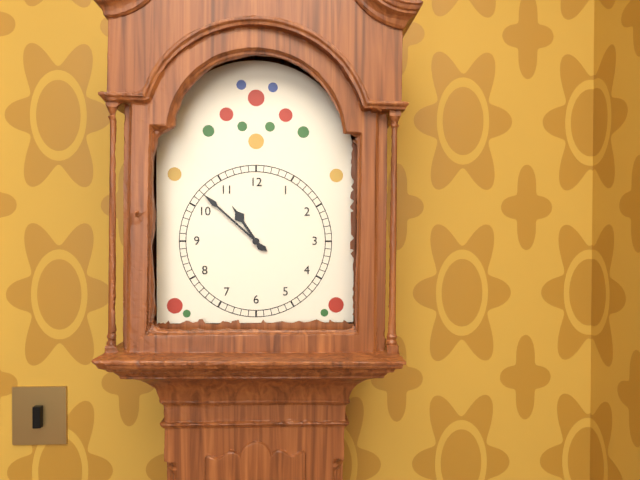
10:52
